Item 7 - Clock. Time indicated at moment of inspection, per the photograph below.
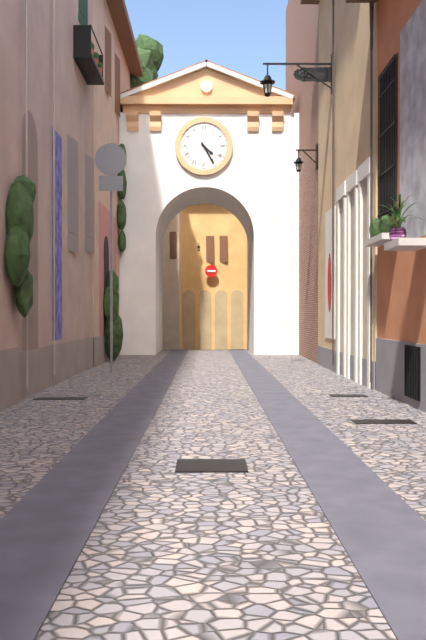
4:25
